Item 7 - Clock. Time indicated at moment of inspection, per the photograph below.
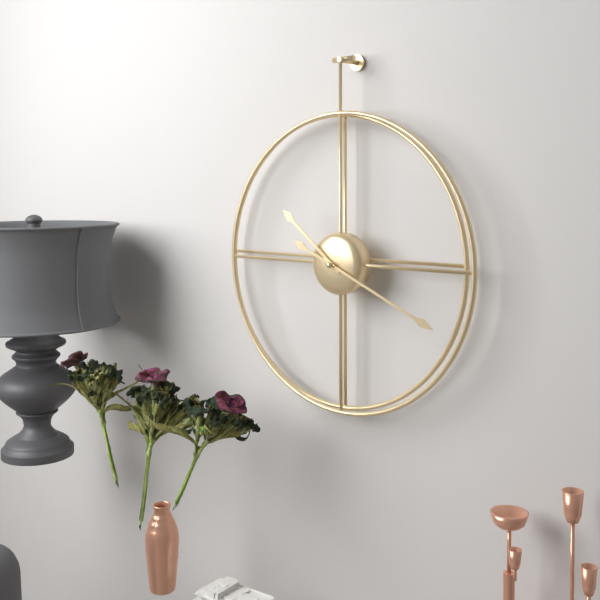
10:19
